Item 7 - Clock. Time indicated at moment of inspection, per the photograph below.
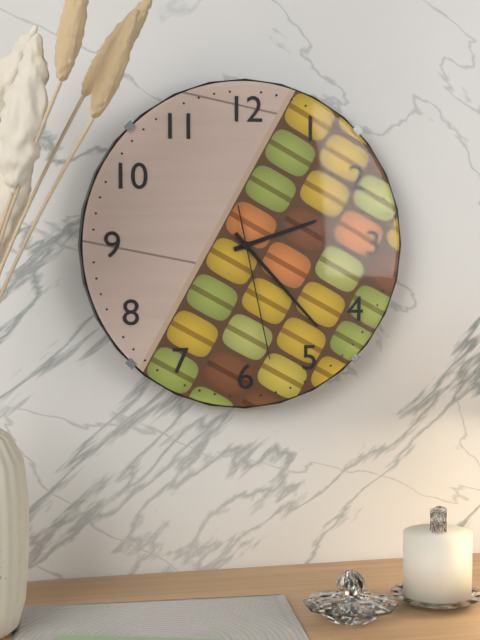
2:23:28
